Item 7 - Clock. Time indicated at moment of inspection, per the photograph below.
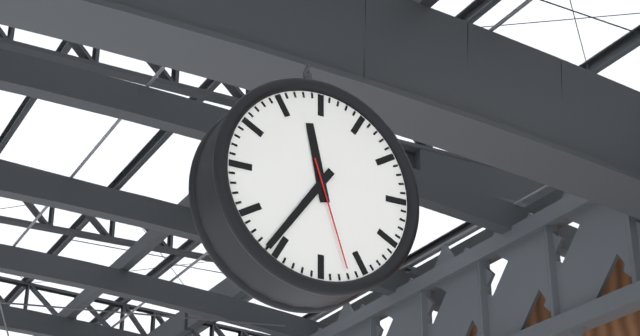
11:36:27
